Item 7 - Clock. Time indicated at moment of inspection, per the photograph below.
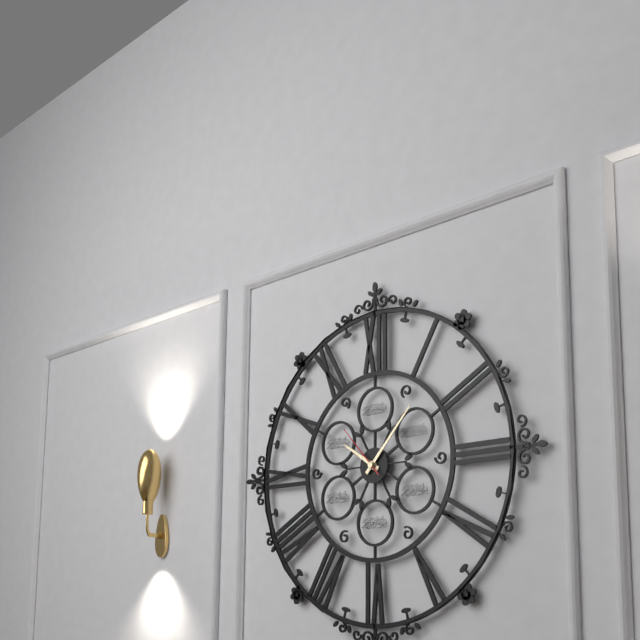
10:07:53
